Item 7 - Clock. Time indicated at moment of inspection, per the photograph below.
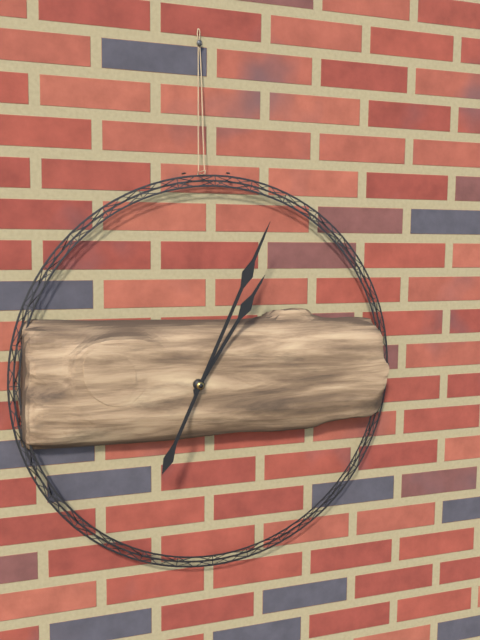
1:04
